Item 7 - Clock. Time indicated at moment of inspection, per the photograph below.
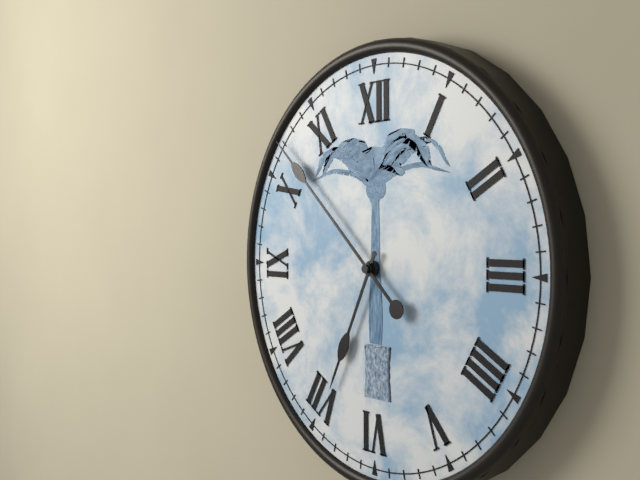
6:52
